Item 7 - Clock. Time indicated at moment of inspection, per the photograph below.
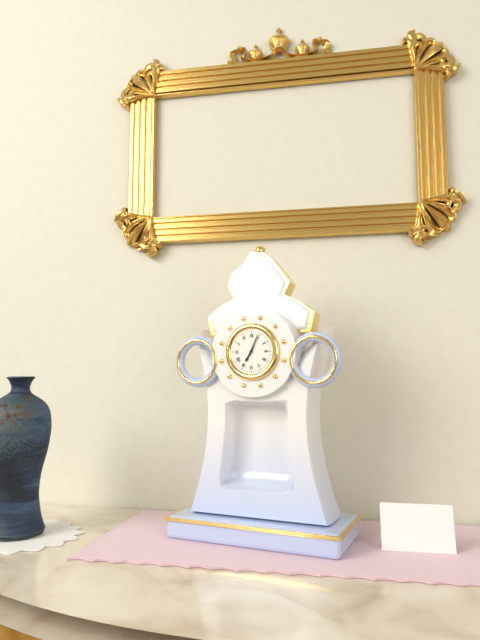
7:04
